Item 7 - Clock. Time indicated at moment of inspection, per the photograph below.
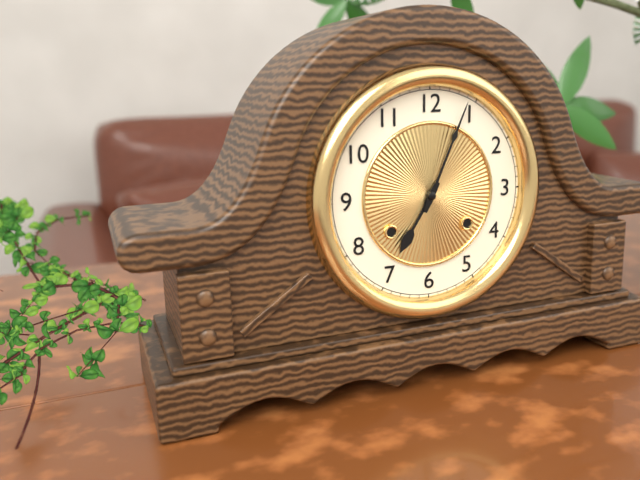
7:04
